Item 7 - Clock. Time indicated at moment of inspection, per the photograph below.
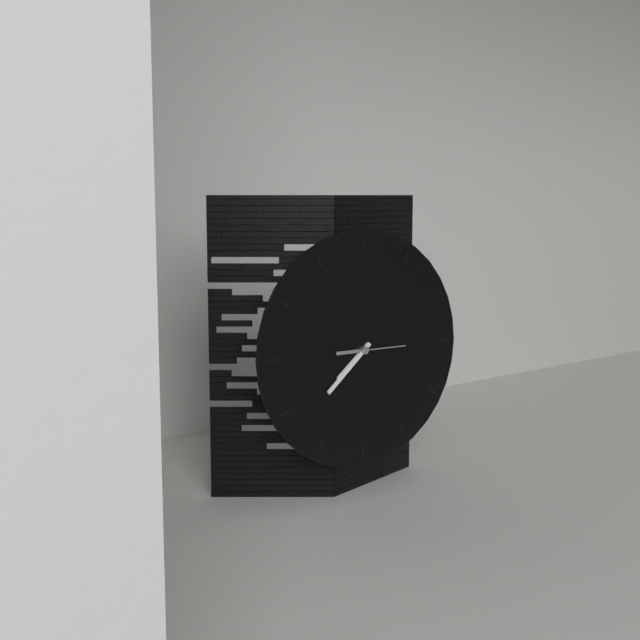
7:38:15
